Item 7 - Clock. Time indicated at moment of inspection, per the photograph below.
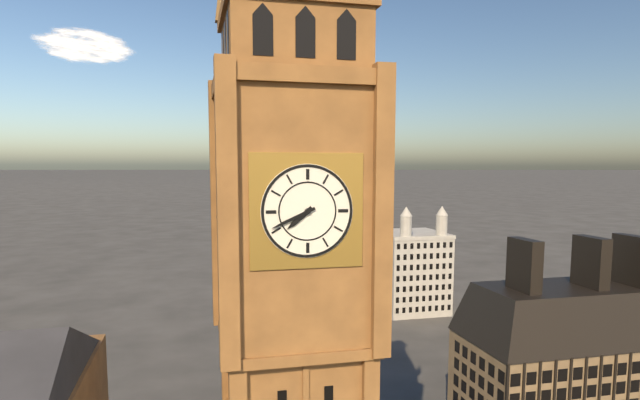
7:41
